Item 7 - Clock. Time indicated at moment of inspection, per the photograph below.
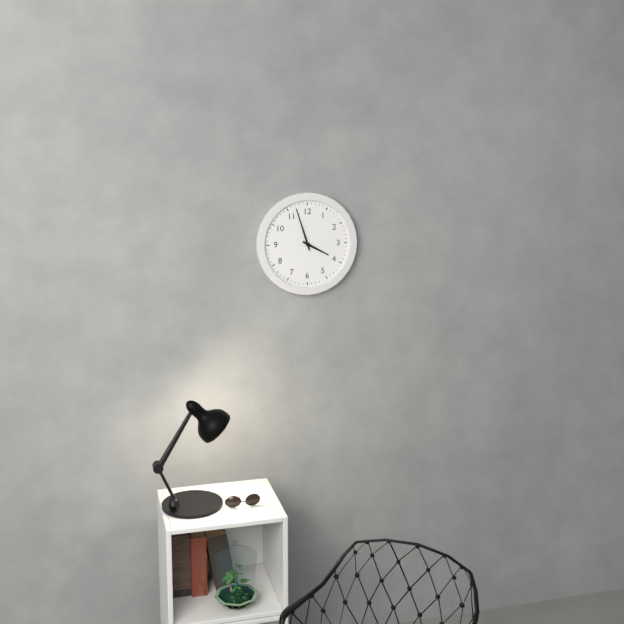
3:57
